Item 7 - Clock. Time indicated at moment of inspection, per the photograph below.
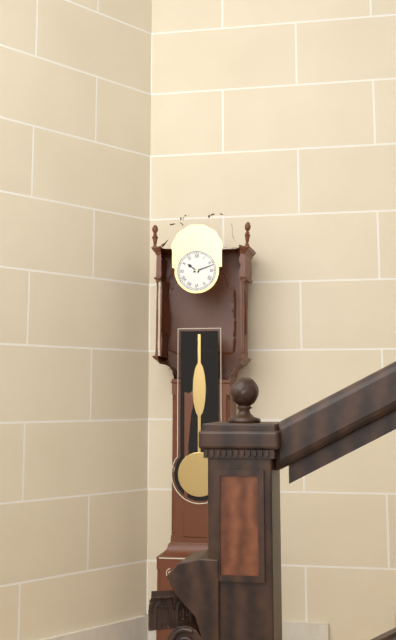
10:12
